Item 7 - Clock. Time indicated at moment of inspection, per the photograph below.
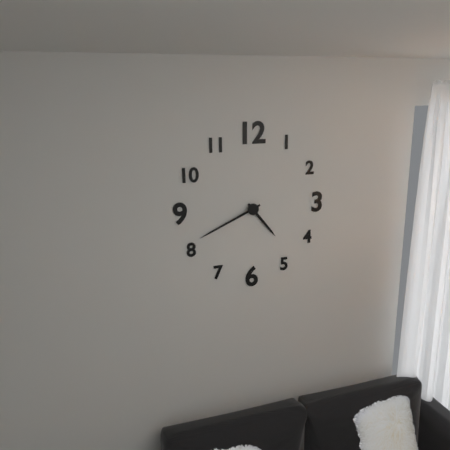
4:41
